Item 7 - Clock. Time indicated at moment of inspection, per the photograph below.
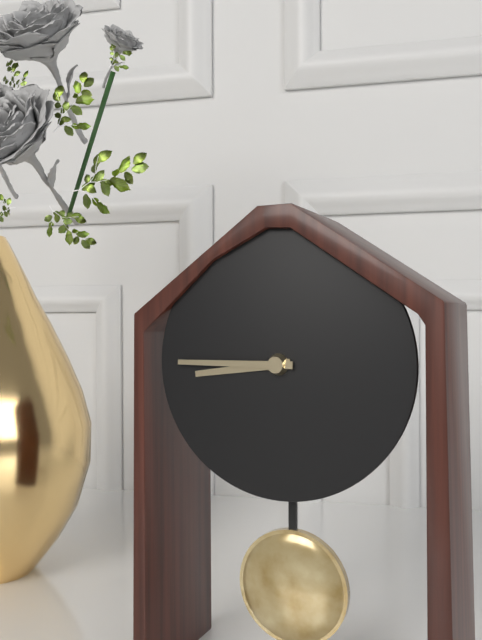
8:45
